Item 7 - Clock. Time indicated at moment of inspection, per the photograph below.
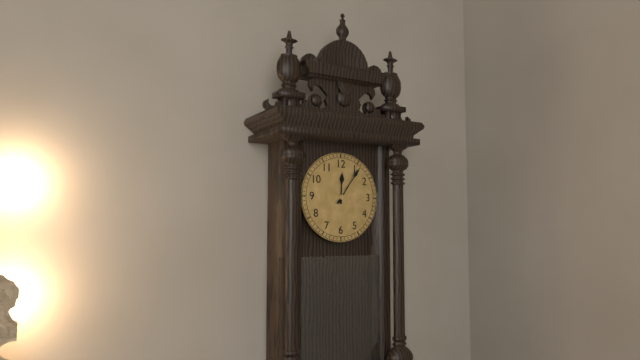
12:06
